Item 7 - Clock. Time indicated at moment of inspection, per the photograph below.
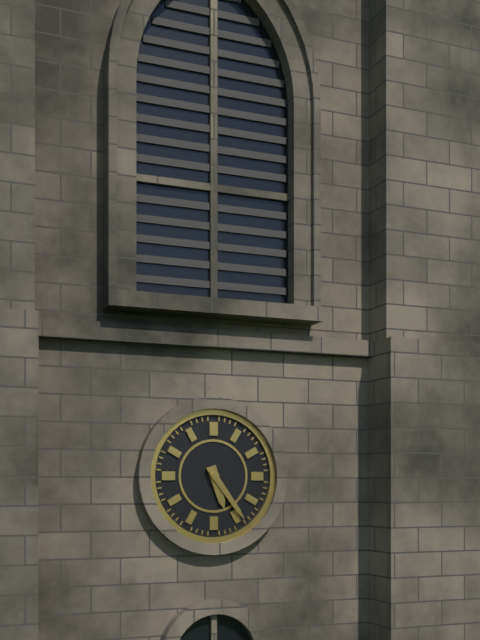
5:24
